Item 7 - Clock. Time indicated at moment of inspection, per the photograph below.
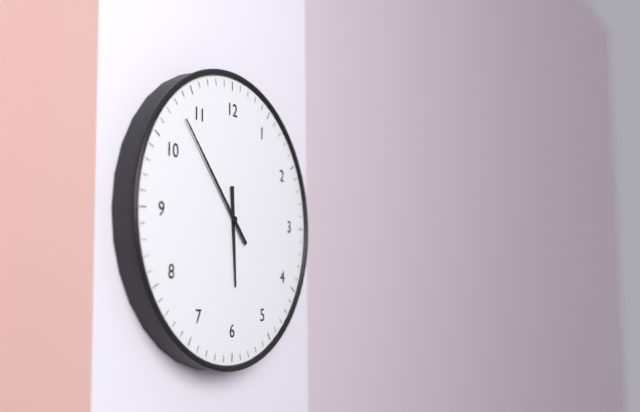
5:53
